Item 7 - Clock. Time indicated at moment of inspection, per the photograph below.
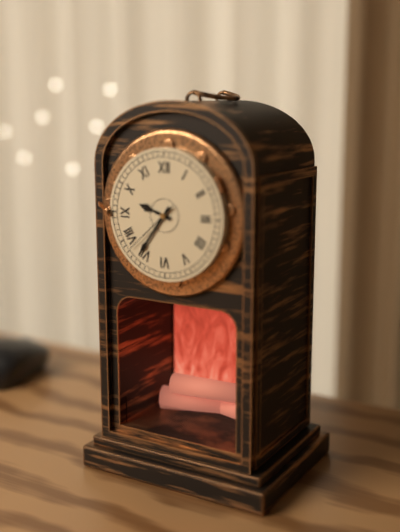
9:36:38
